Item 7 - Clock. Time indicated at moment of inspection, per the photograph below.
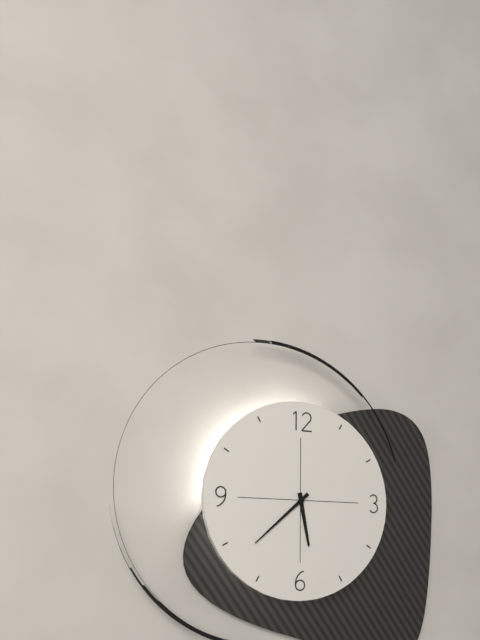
5:38
